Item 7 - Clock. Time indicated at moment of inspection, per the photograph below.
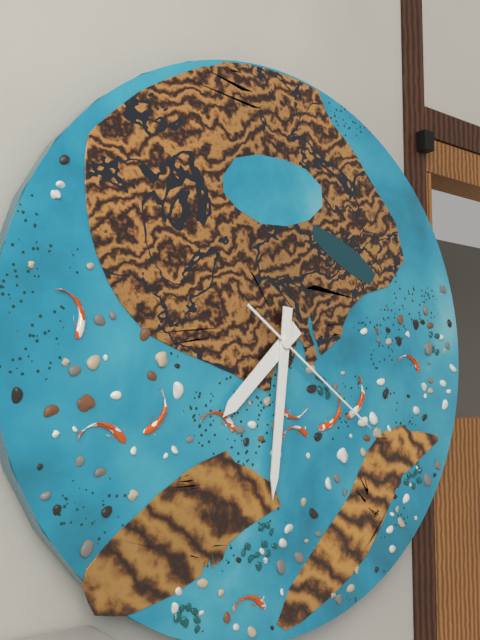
7:31:21
